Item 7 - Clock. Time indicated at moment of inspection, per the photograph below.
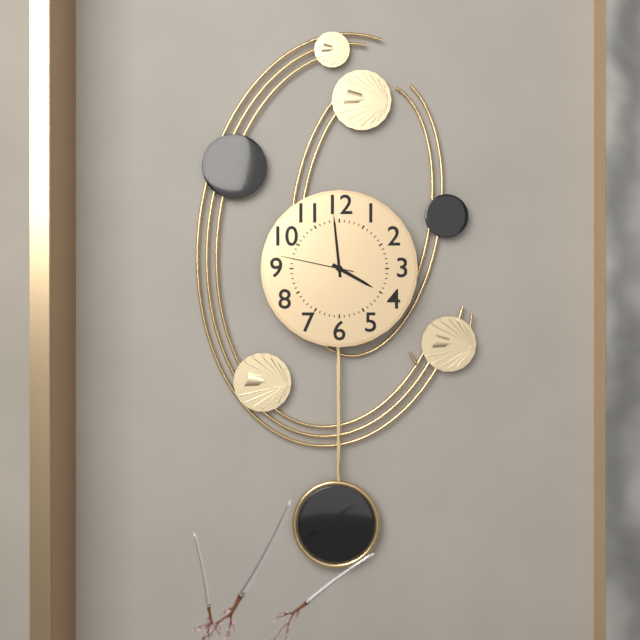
3:59:47
